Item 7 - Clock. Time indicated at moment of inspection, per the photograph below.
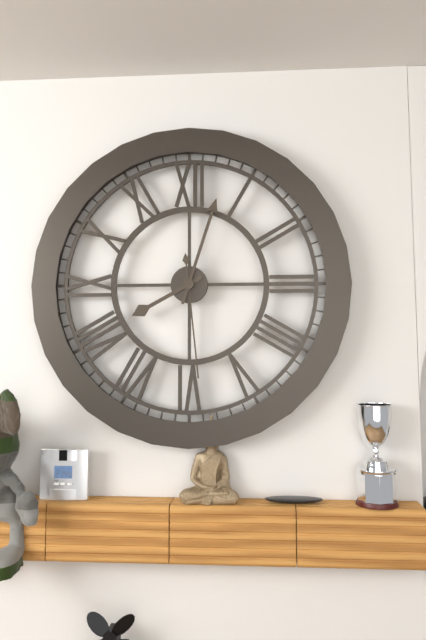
8:03:29
